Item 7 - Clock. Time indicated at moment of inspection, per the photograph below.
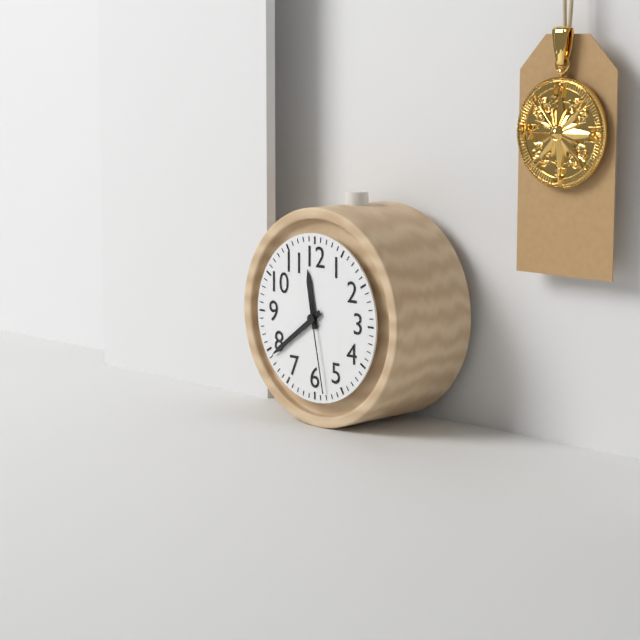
11:39:28
